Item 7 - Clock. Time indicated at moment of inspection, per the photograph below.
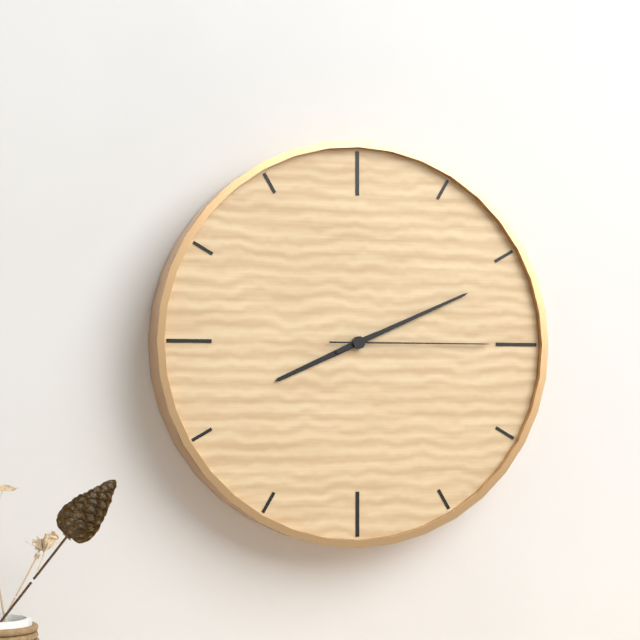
8:11:15
